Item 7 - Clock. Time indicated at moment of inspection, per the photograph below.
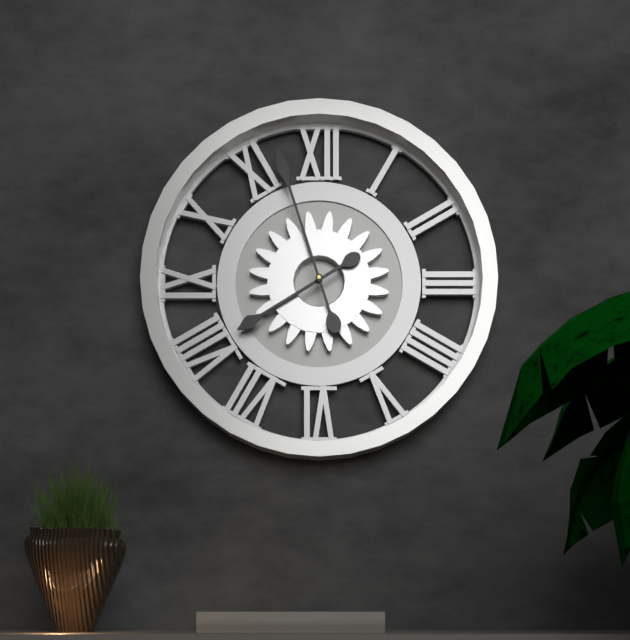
7:57
